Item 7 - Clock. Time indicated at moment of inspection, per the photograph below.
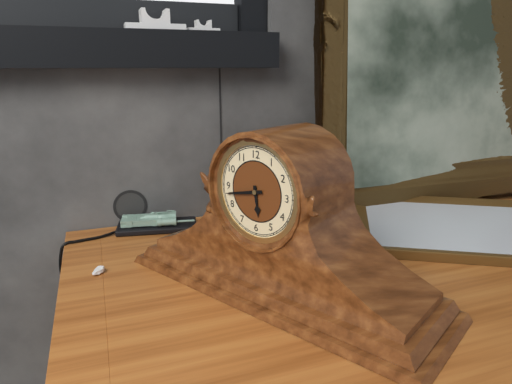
5:43
